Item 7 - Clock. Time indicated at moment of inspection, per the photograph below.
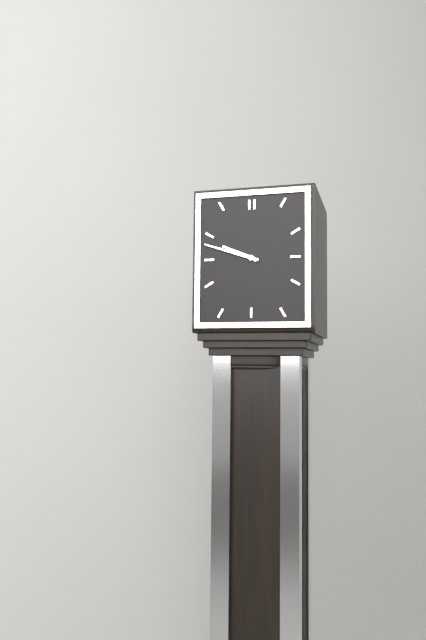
9:48
